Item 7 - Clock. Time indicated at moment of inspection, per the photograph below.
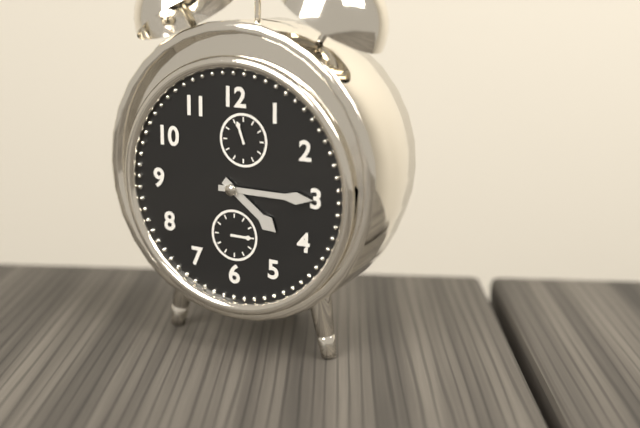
4:15
